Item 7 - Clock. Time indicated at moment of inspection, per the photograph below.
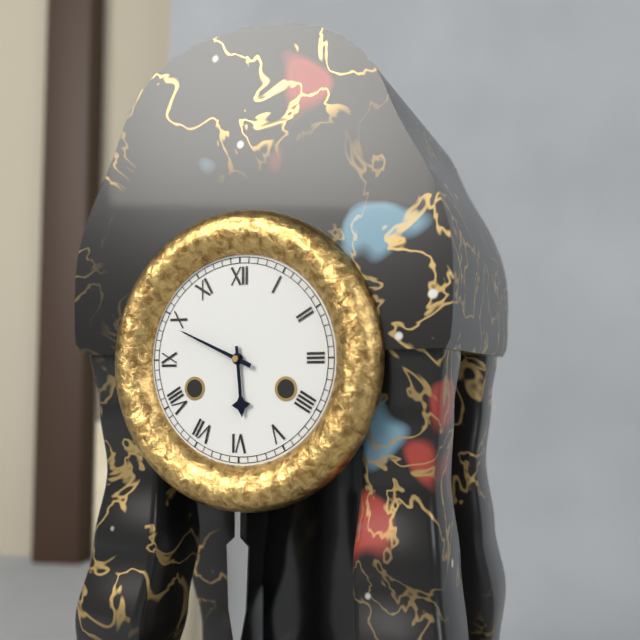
5:49
